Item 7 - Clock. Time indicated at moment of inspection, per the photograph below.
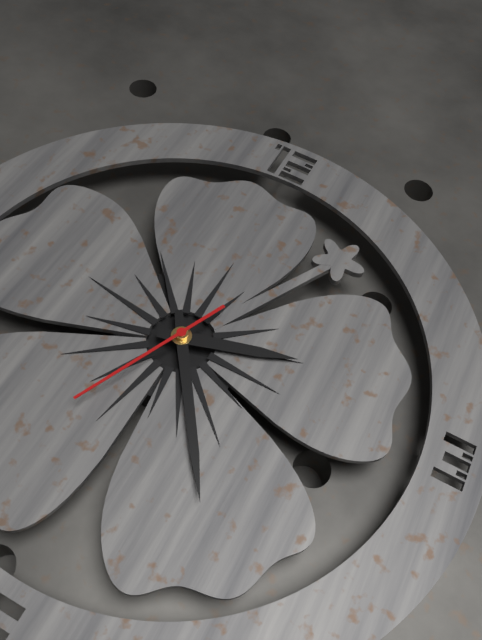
2:24:34
